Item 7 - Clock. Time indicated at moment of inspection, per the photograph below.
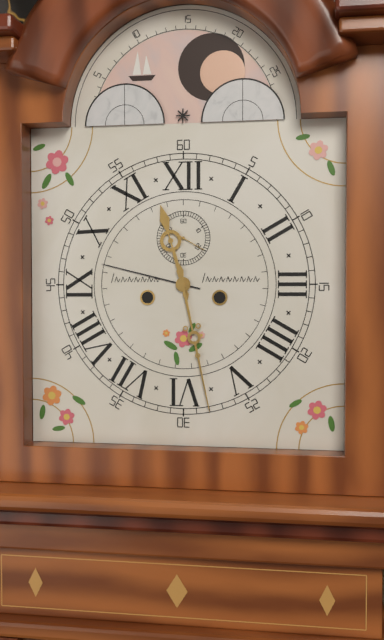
11:28
